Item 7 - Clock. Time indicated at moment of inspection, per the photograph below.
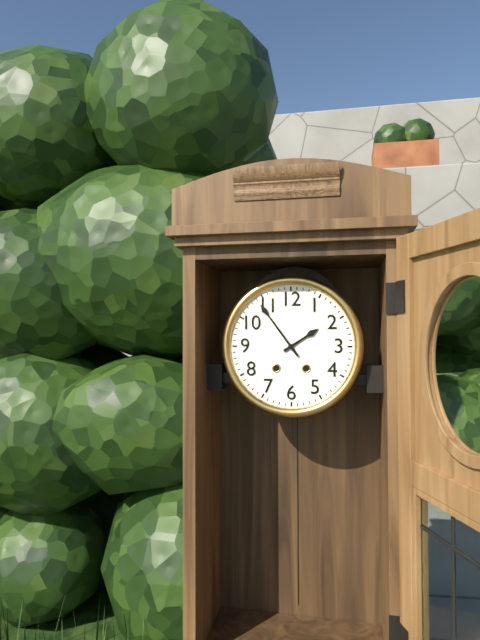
1:54
